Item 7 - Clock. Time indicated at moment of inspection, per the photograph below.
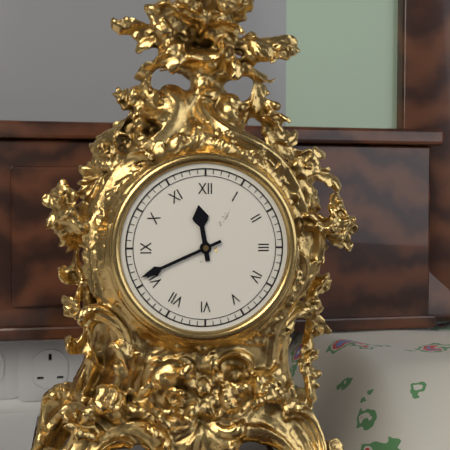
11:41
